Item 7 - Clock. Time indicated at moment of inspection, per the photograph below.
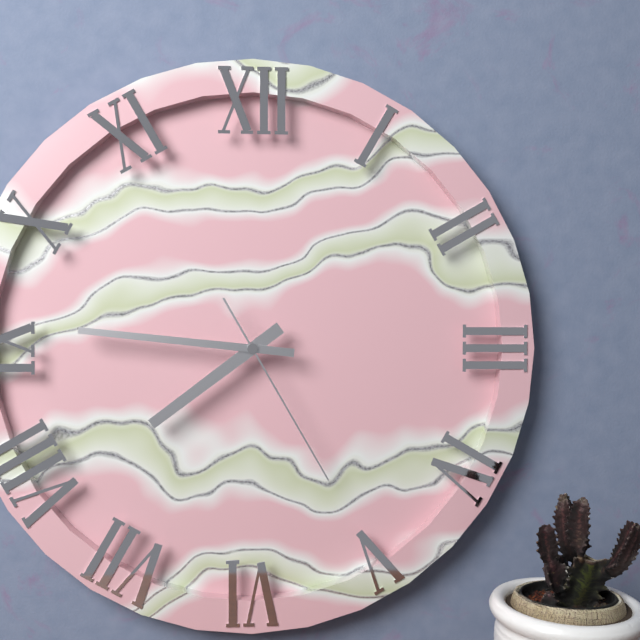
7:46:25
